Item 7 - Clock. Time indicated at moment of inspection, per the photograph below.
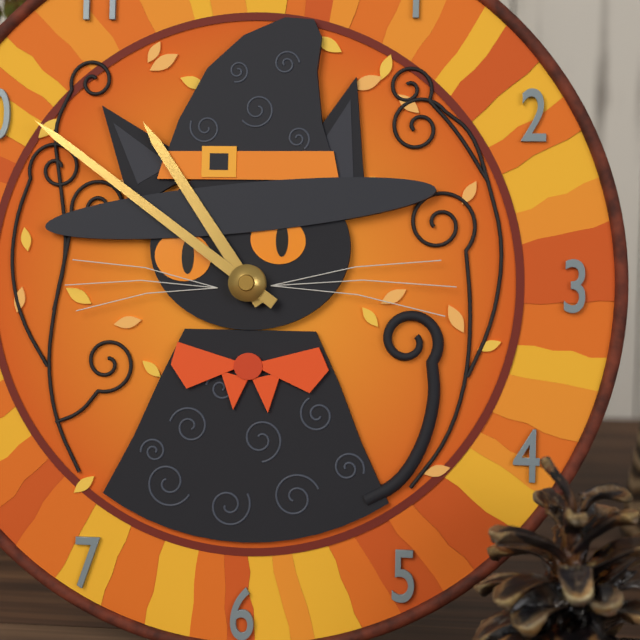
10:51
